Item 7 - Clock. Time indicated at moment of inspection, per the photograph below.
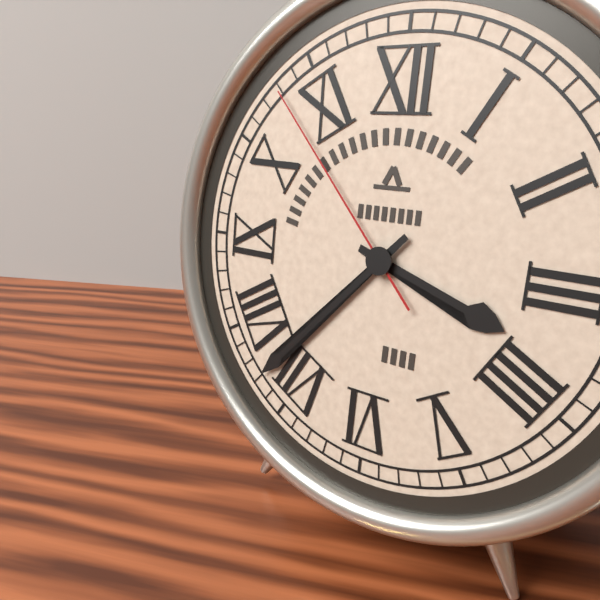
3:37:53
